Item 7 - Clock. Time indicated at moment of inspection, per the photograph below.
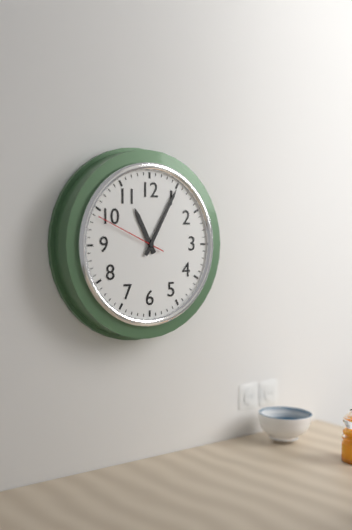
11:05:49
